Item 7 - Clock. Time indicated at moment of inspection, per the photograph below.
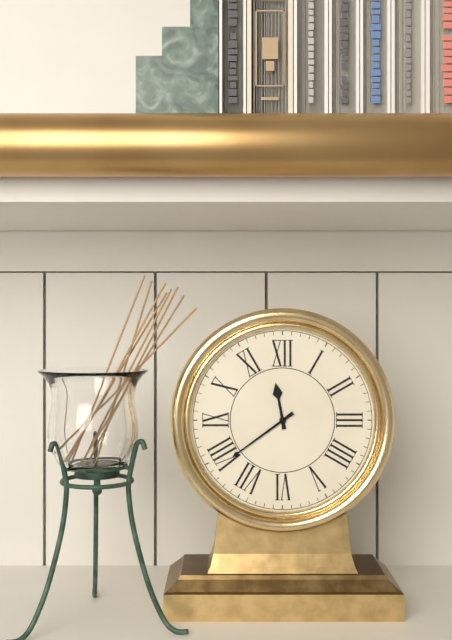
11:39
